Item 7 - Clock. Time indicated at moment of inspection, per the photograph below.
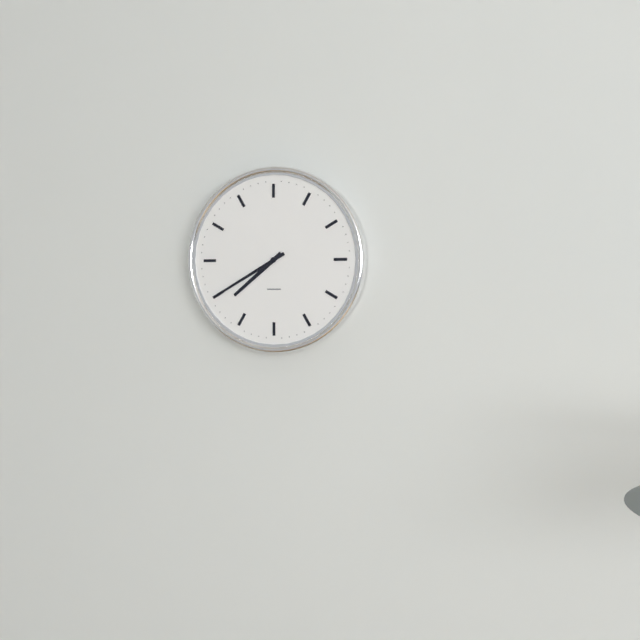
7:40
